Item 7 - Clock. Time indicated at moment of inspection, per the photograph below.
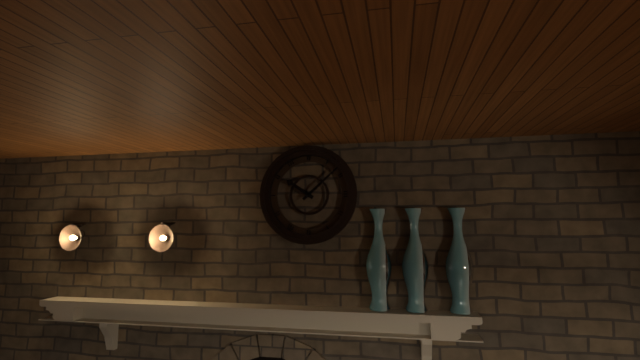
10:08
